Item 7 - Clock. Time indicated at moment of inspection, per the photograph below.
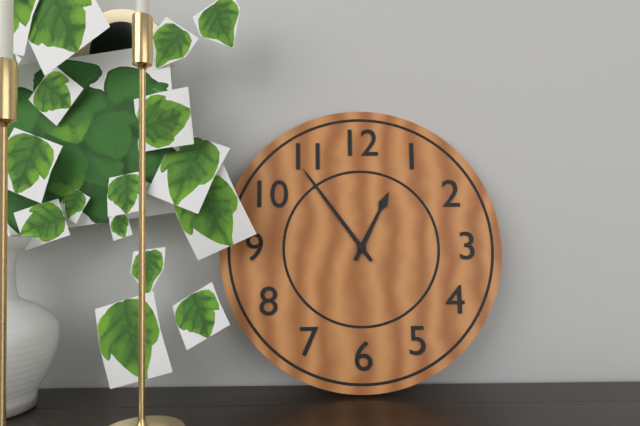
12:54
